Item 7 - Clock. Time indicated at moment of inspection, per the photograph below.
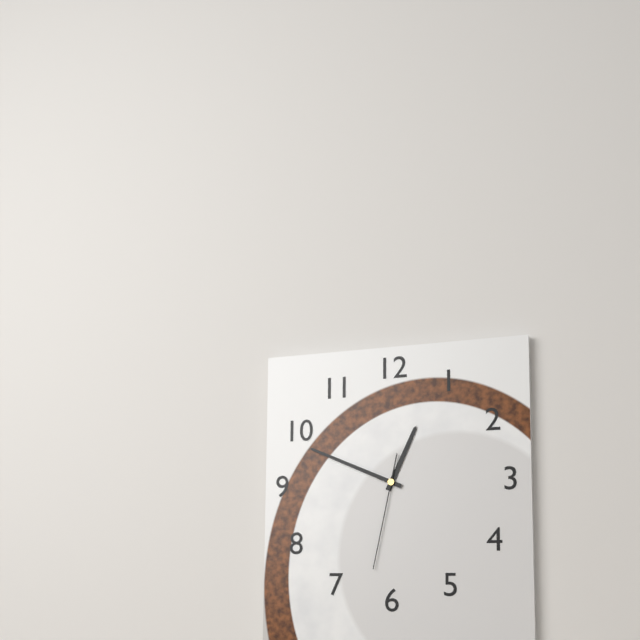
12:49:32
